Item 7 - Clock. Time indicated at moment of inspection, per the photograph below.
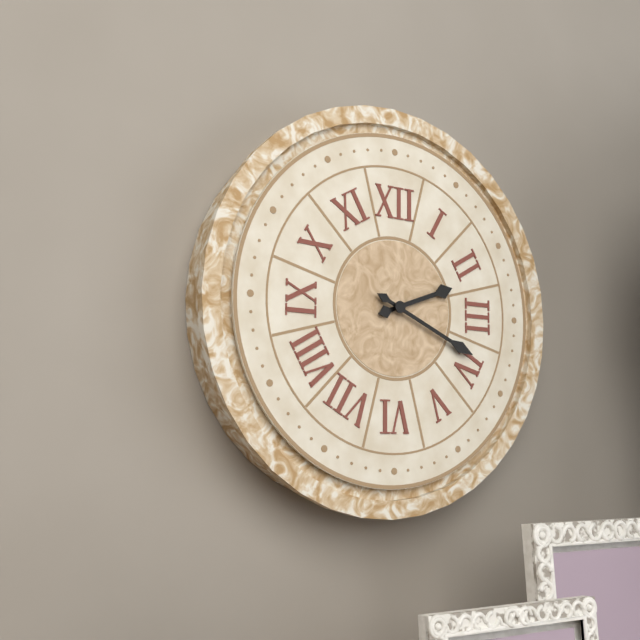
2:19
